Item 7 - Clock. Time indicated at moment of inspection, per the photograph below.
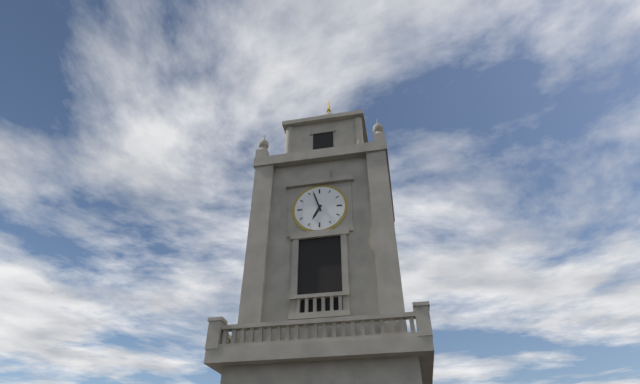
6:57
